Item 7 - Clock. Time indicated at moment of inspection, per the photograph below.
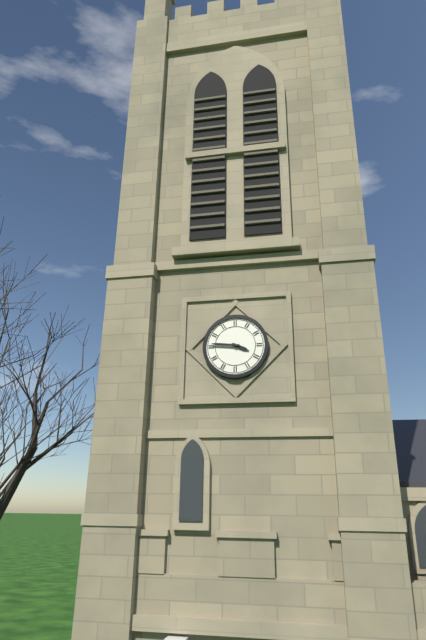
3:46
